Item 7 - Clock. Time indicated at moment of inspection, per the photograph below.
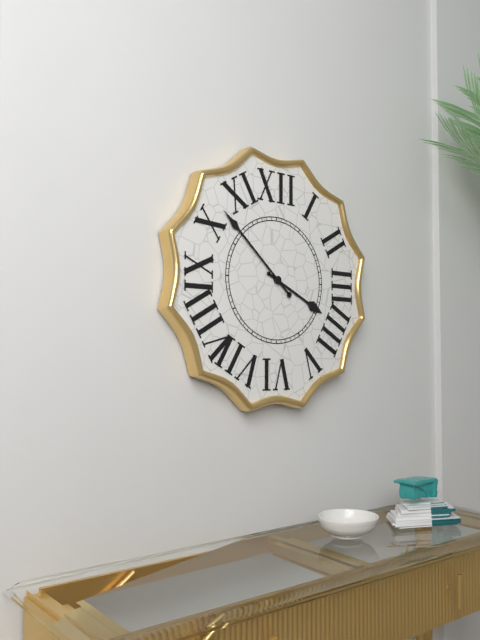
3:52
